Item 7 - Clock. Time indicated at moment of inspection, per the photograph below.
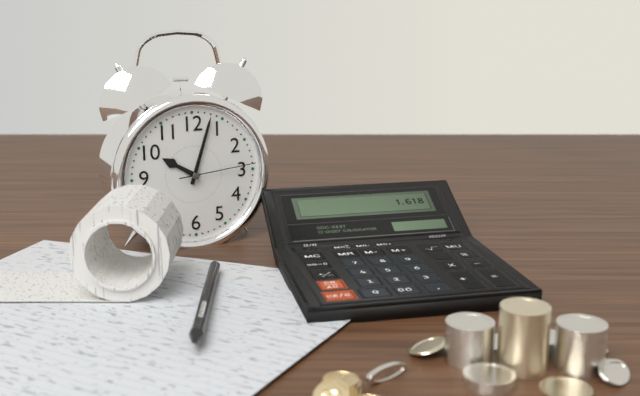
10:03:14
